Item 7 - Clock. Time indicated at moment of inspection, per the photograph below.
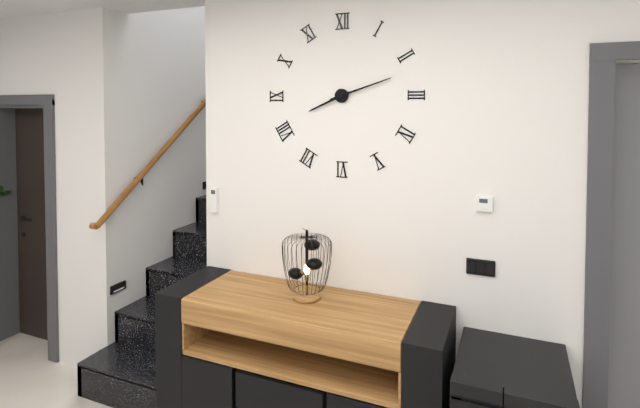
8:12
